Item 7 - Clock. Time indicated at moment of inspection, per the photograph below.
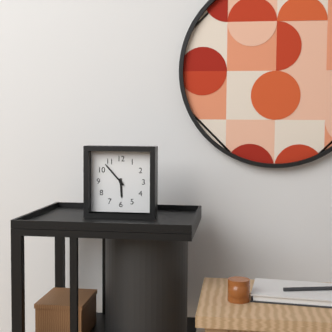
5:53
